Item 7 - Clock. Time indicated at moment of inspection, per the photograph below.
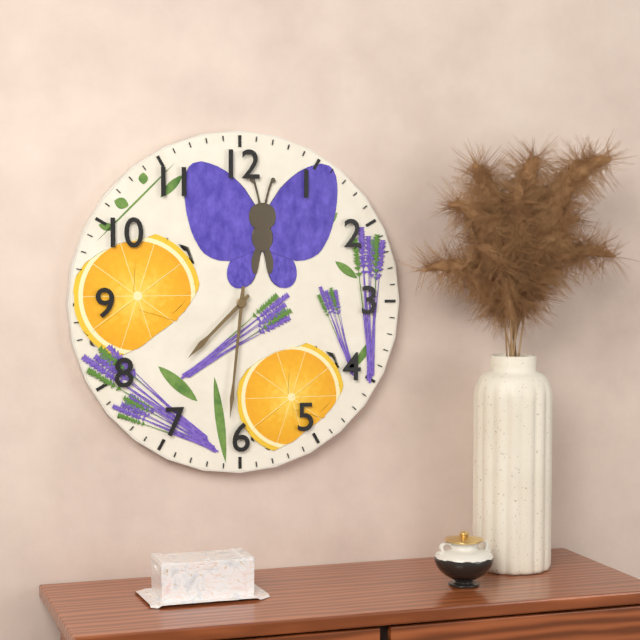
7:31
